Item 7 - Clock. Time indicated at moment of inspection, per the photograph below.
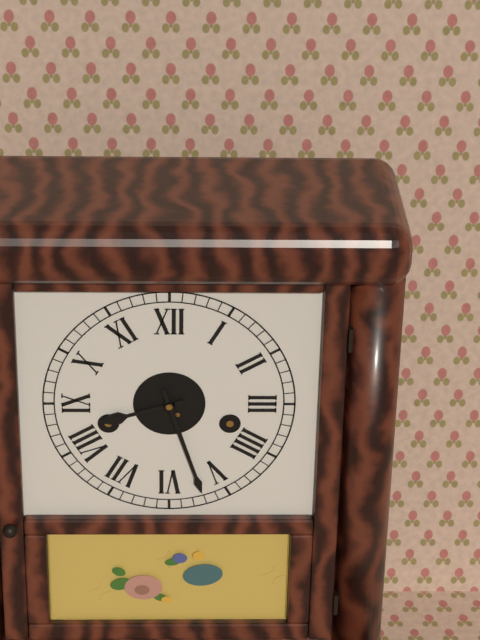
8:27
